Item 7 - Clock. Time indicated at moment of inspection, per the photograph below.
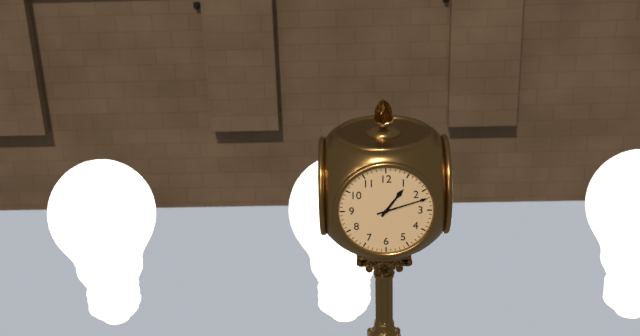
1:12
